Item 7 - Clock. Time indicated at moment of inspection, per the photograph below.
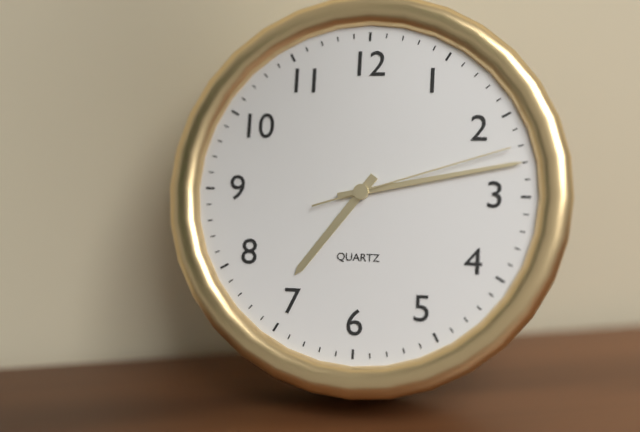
7:13:12
